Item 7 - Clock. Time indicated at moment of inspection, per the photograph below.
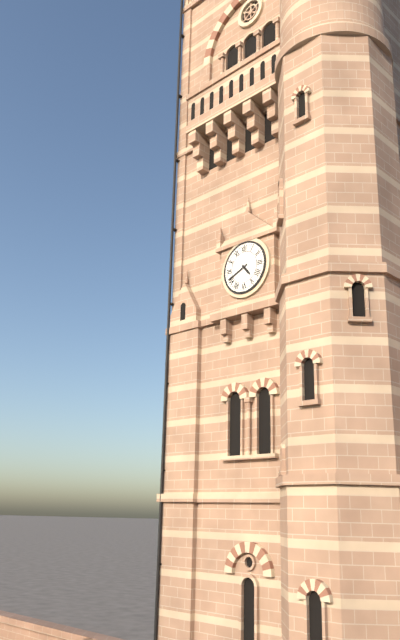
4:41
